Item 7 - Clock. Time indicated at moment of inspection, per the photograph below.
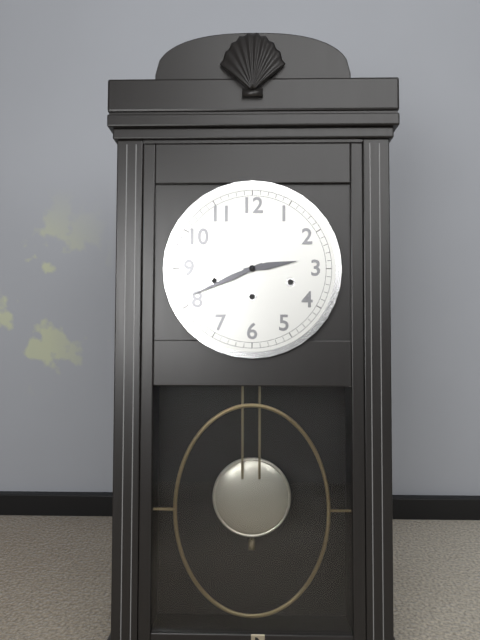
2:41
